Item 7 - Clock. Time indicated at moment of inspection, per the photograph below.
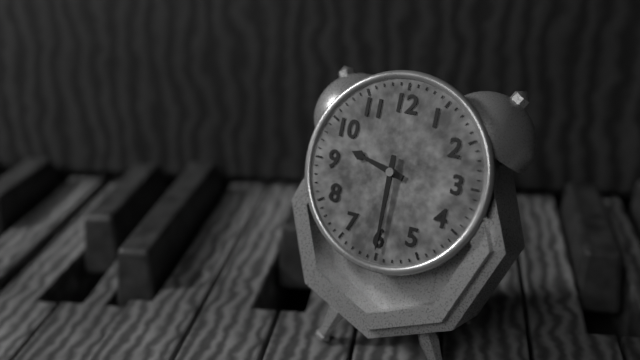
9:30
